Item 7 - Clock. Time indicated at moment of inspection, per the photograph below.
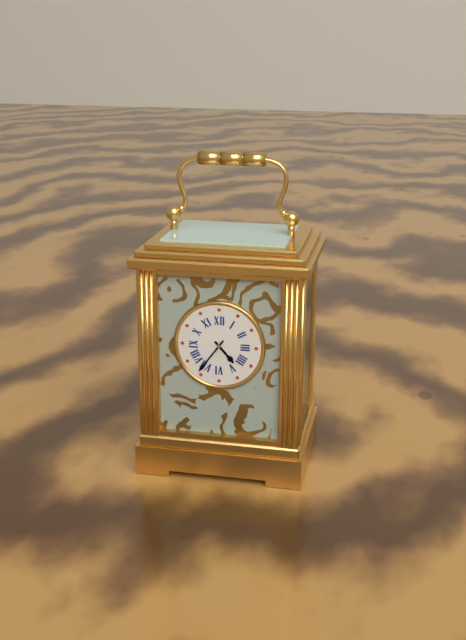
4:36
